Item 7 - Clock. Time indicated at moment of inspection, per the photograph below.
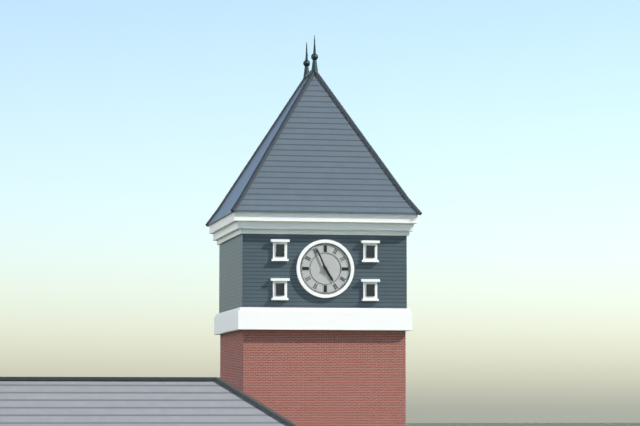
4:56
